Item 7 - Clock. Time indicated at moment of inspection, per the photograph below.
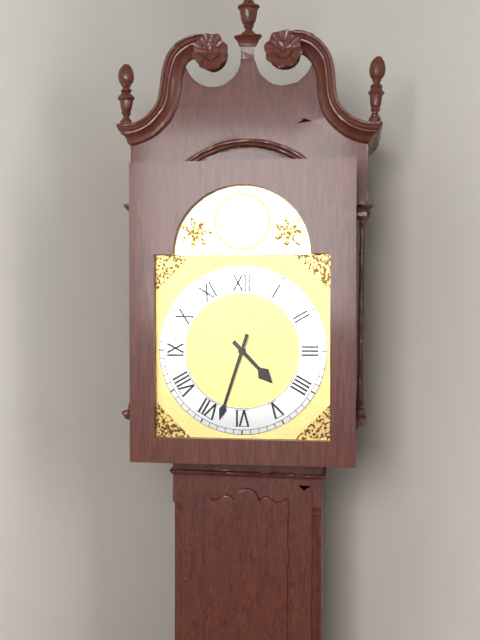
4:33
